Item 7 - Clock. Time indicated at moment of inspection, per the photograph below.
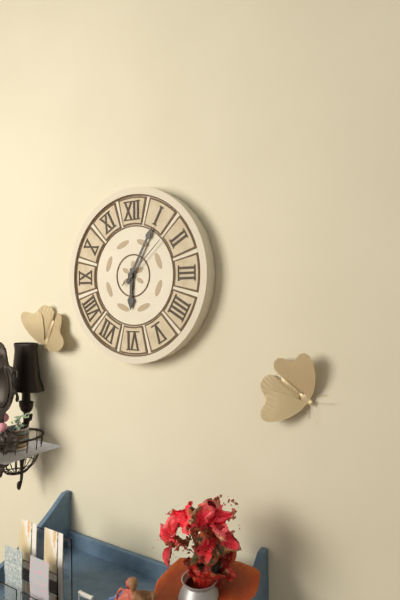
6:05:08
